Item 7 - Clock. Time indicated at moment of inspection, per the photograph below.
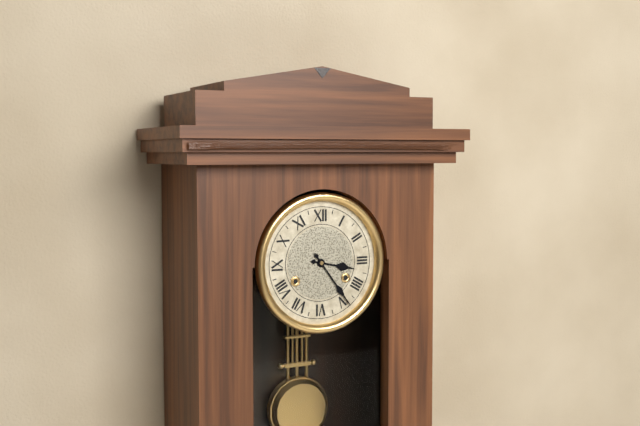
3:24
